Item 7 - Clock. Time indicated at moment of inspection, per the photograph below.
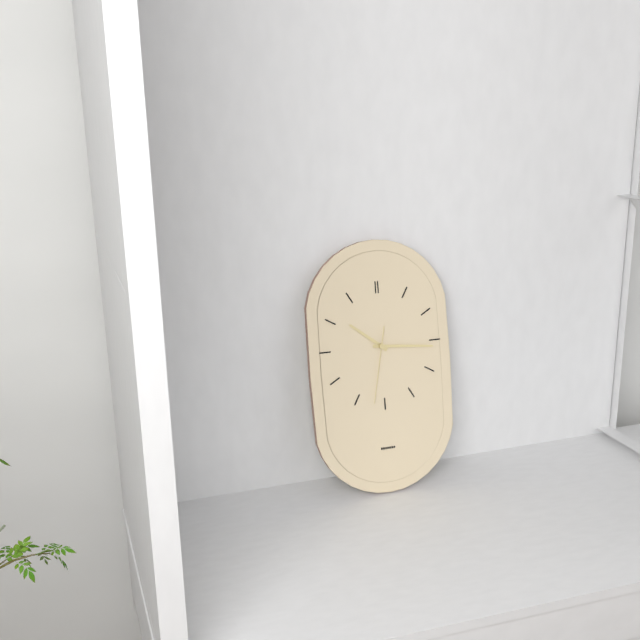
10:16:32
